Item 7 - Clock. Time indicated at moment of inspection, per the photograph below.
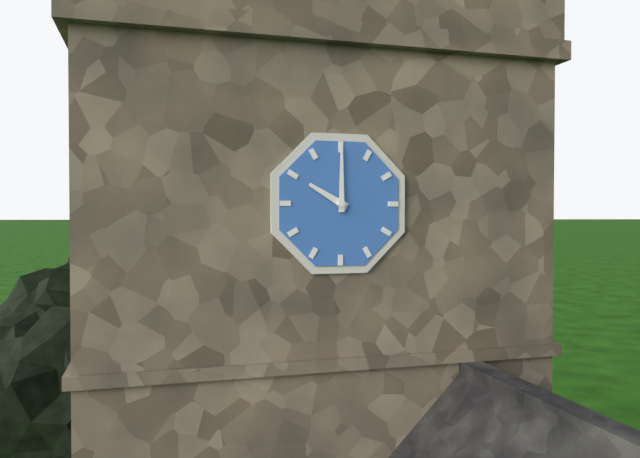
10:00
